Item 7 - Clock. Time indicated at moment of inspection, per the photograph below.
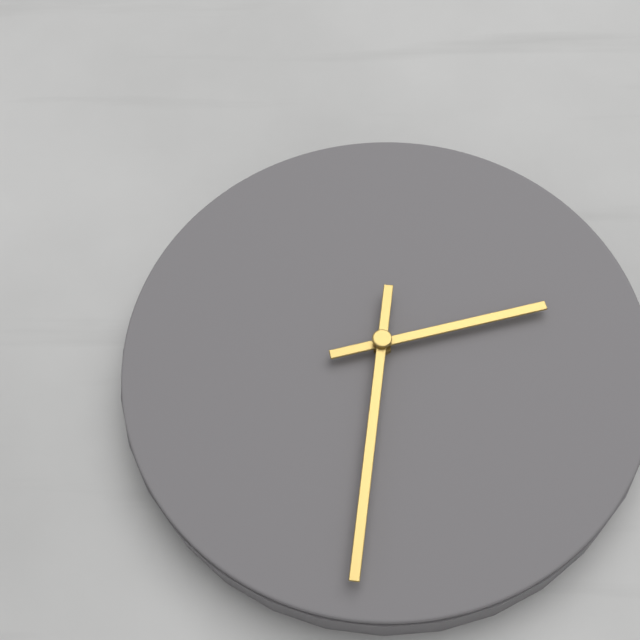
2:31
